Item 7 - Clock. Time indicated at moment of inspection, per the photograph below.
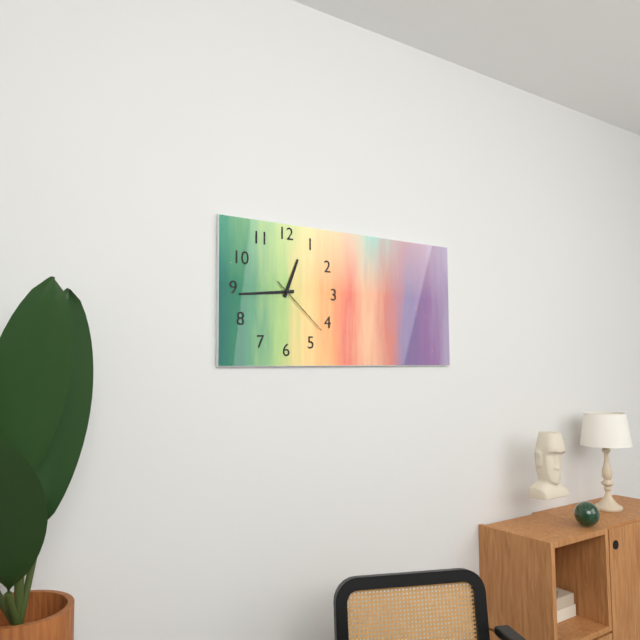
12:44:22
